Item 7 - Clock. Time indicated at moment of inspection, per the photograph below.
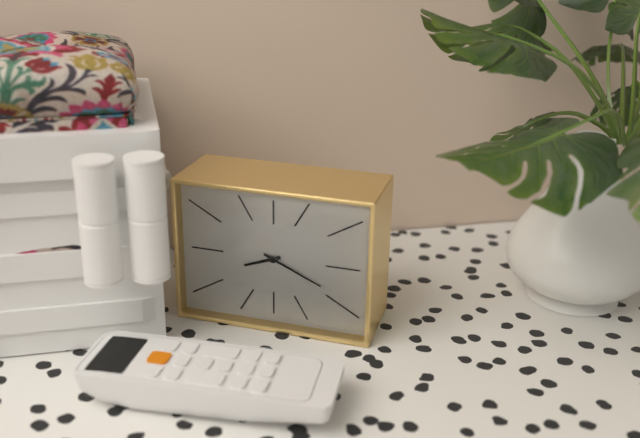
8:19
